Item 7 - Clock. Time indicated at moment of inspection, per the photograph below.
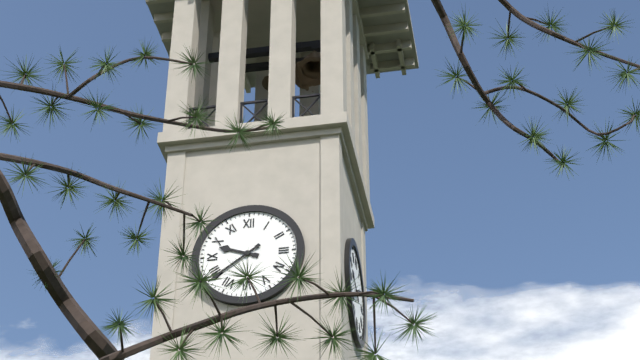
9:39
